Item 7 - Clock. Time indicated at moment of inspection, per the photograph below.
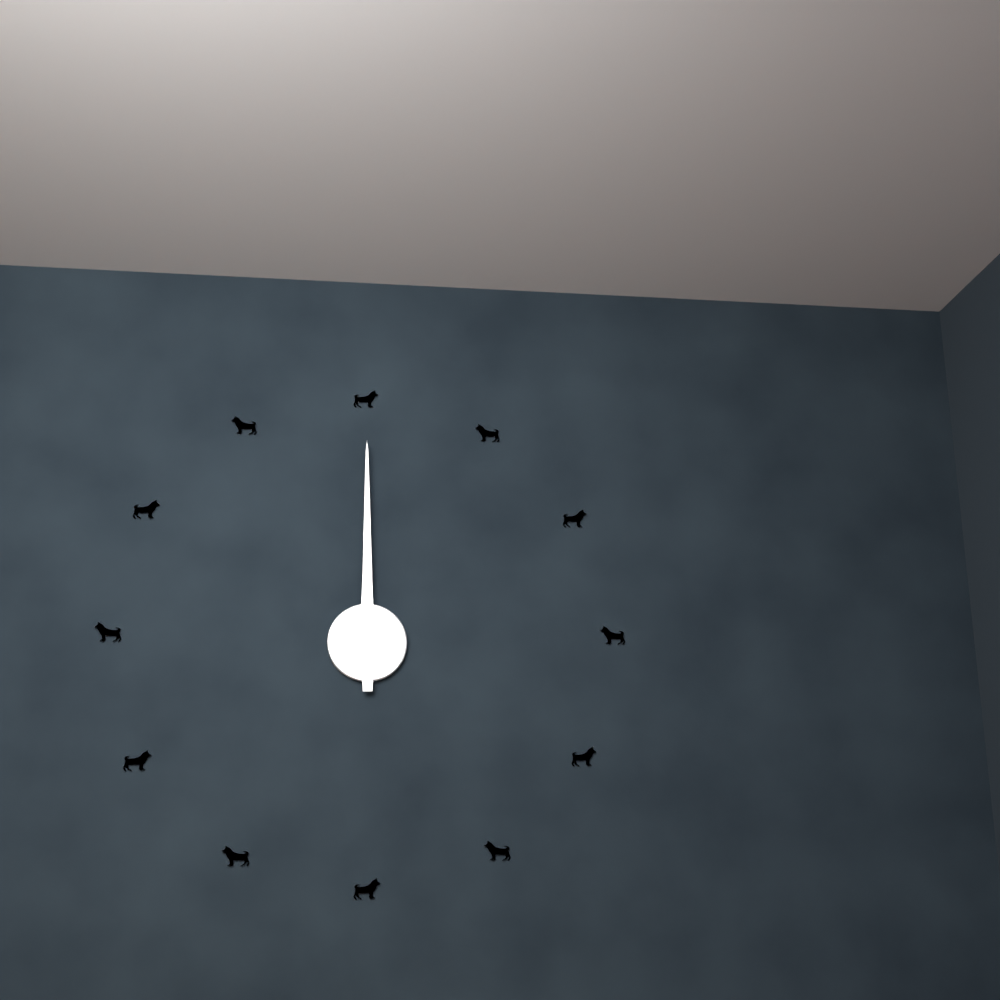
12:00
